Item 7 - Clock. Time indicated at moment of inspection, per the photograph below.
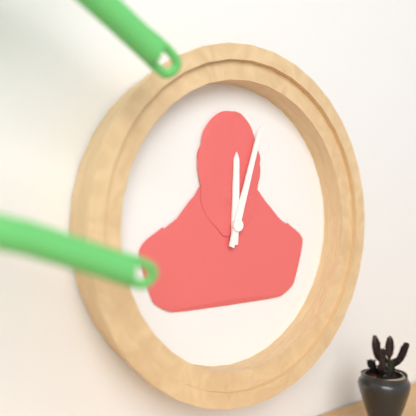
12:03
